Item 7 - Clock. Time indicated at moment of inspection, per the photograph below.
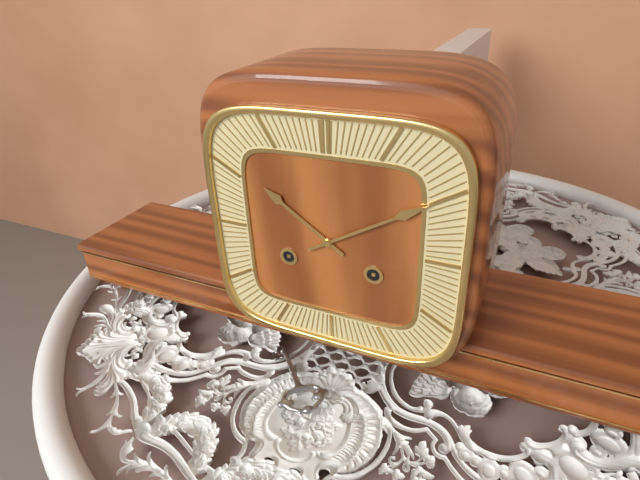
10:10
